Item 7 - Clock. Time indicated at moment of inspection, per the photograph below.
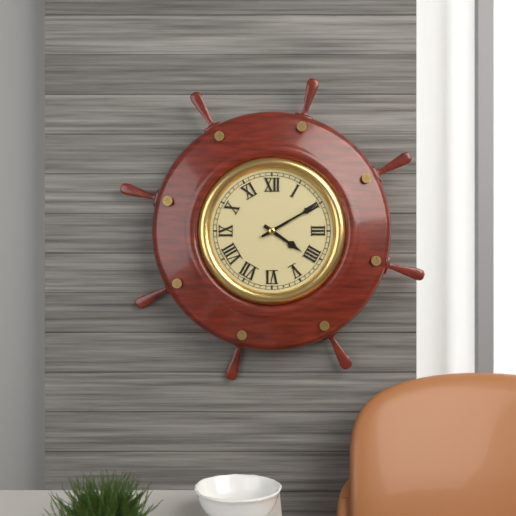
4:10
